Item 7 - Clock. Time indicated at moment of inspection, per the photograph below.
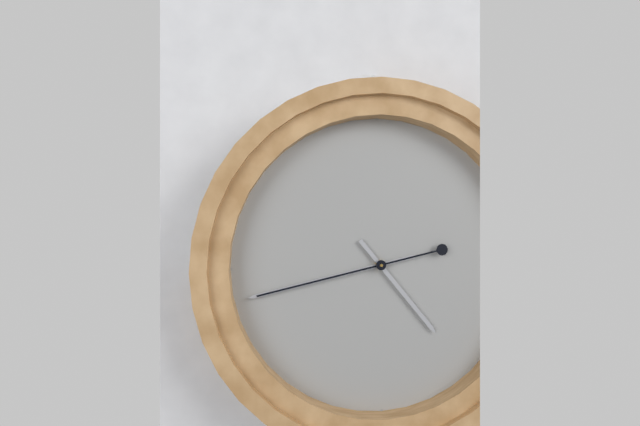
4:43:43
